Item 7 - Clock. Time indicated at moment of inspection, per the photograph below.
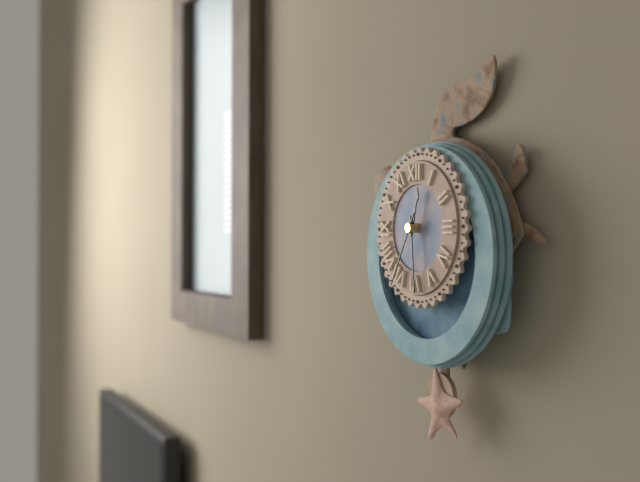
12:29:35
